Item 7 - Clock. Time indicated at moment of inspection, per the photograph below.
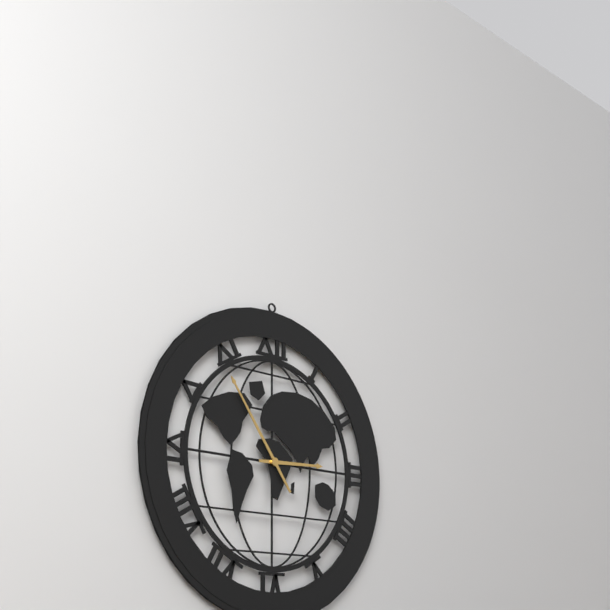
2:54
